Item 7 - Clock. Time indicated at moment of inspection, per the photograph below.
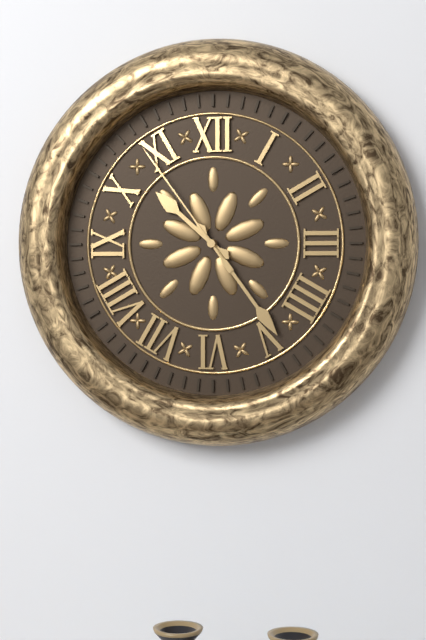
10:24:54
